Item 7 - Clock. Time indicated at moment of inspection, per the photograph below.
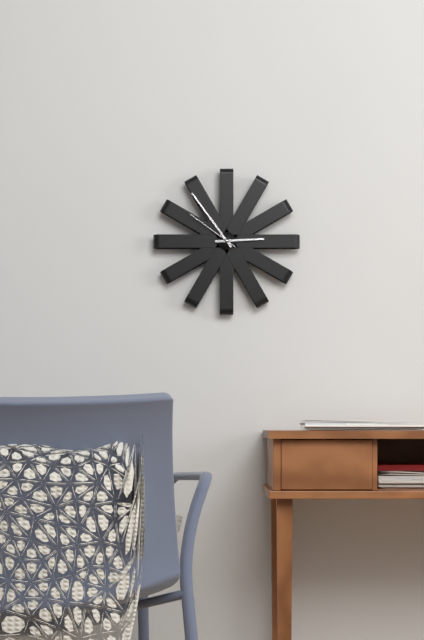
2:54:51
